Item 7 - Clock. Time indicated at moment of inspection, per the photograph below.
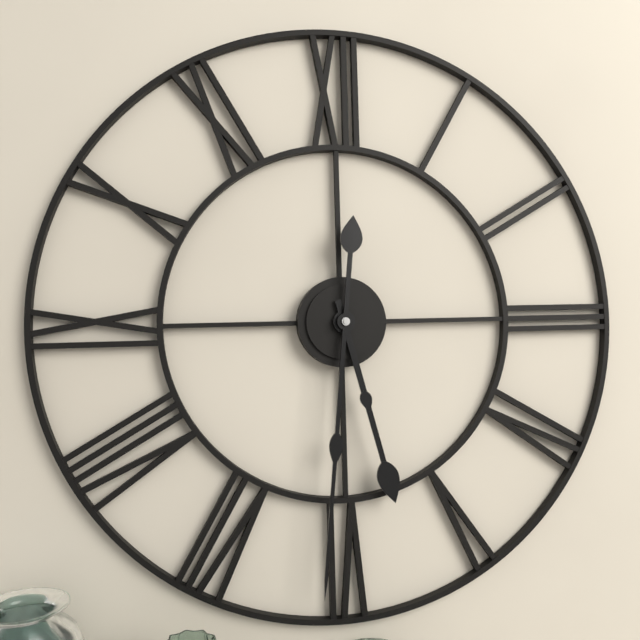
5:31
